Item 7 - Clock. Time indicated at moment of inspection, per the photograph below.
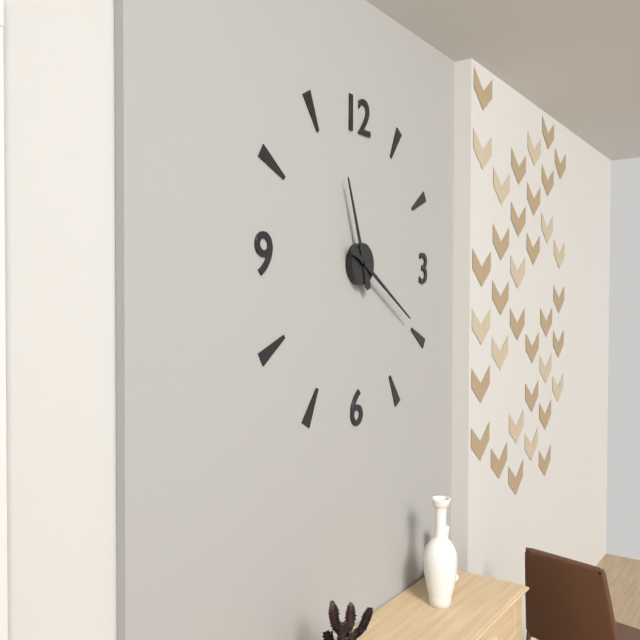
11:20
